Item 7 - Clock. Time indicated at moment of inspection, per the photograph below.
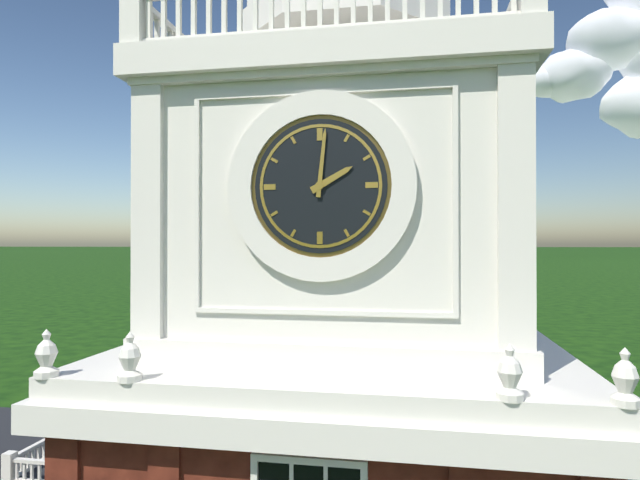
2:01
